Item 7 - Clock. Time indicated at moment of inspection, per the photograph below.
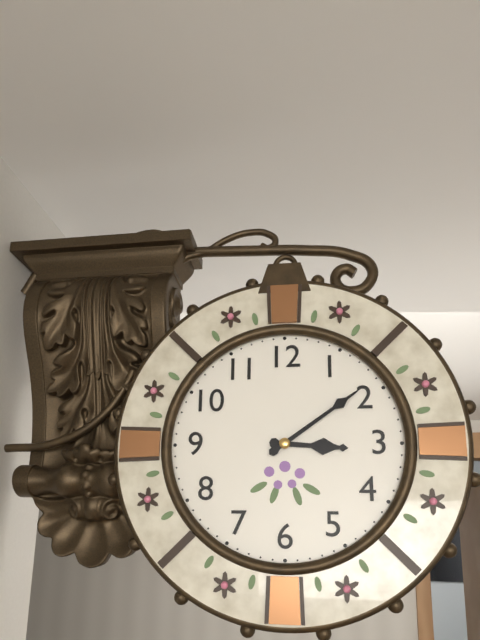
3:09
